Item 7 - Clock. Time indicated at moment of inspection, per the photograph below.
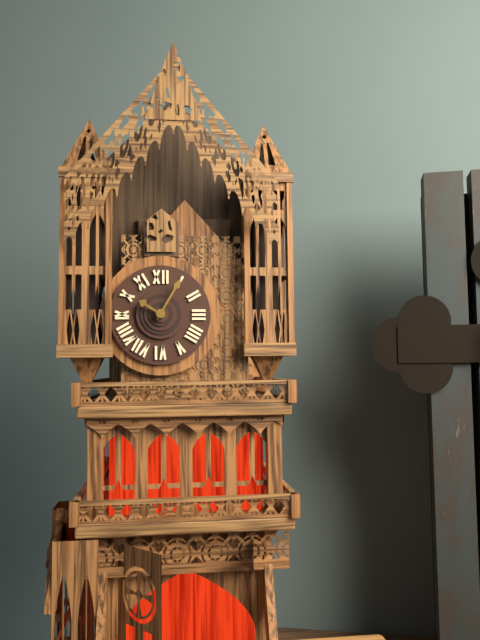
10:05
